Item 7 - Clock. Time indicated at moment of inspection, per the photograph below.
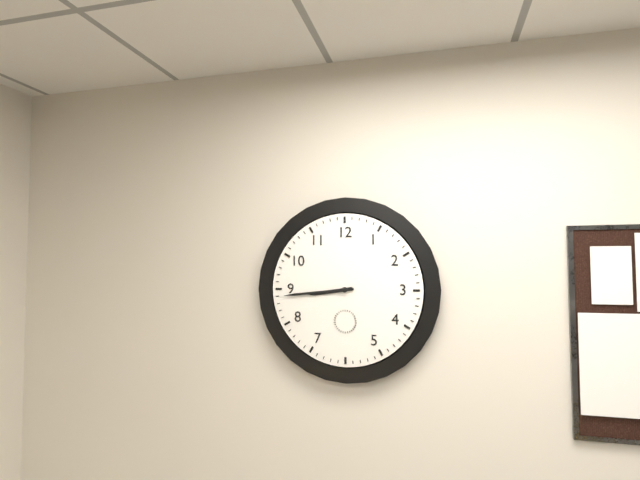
8:44
